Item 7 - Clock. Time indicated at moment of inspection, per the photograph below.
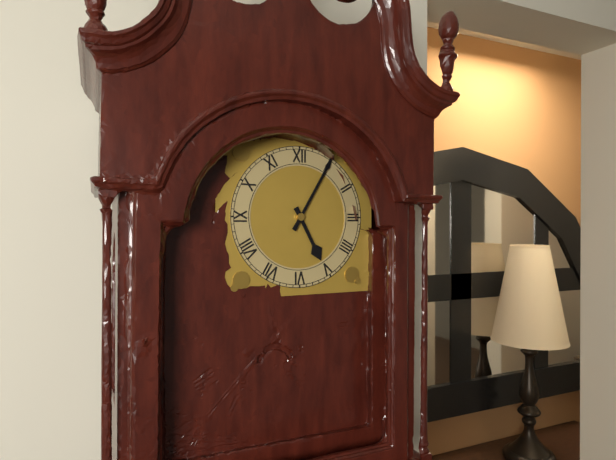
5:05
